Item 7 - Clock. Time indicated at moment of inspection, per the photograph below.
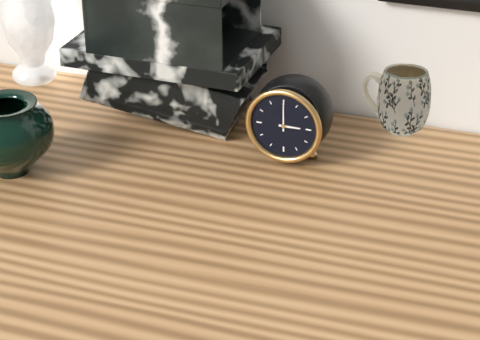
3:00
